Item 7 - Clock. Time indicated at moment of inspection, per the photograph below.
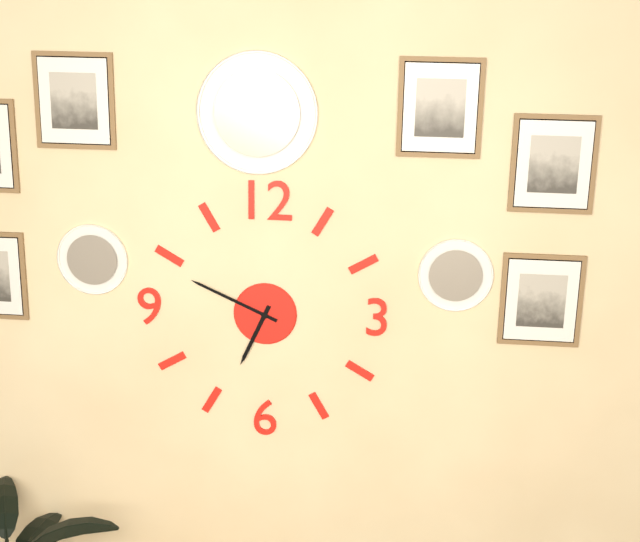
6:49
